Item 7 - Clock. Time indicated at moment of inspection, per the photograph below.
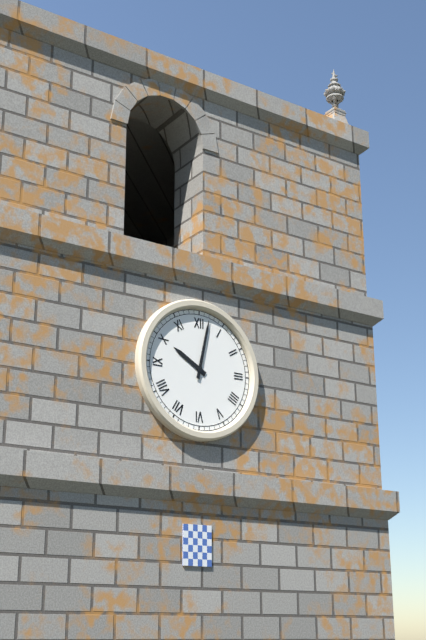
10:02
